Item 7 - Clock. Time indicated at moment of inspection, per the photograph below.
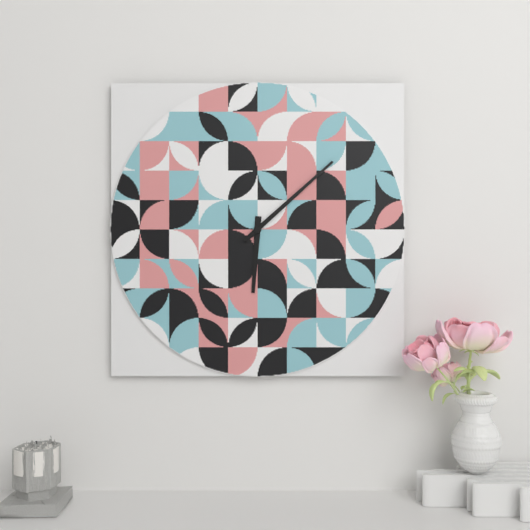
6:08
